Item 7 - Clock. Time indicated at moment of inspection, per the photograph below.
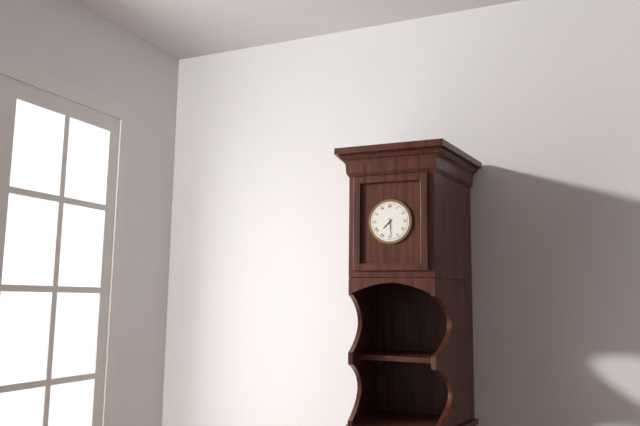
7:29
